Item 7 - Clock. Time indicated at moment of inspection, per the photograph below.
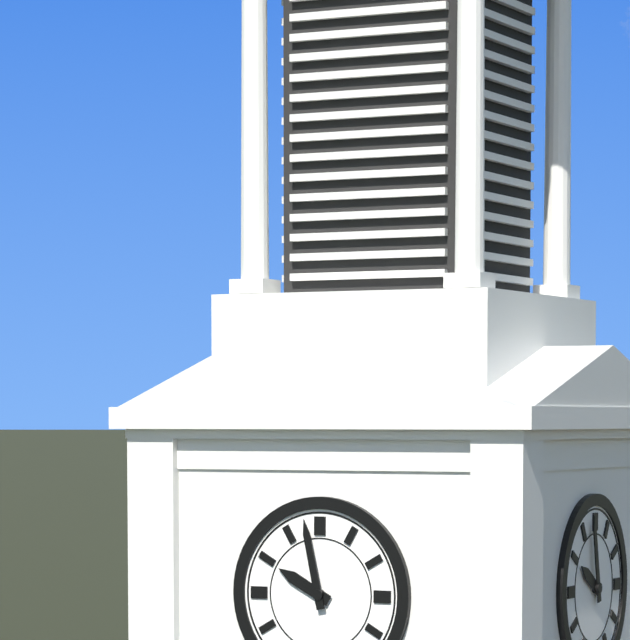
9:58
